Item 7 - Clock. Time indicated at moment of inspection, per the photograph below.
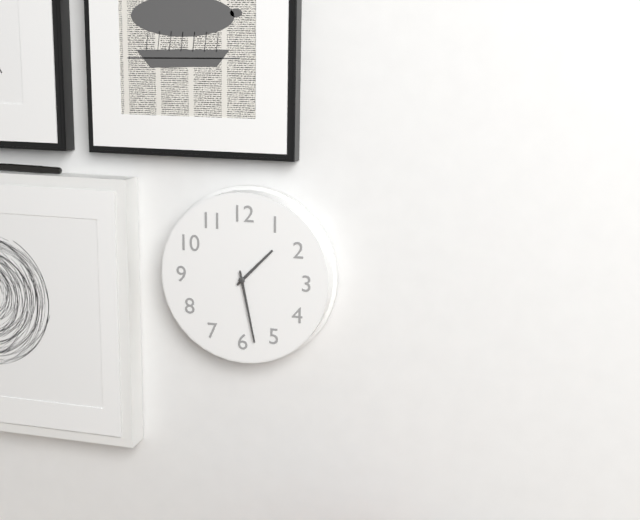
1:28
